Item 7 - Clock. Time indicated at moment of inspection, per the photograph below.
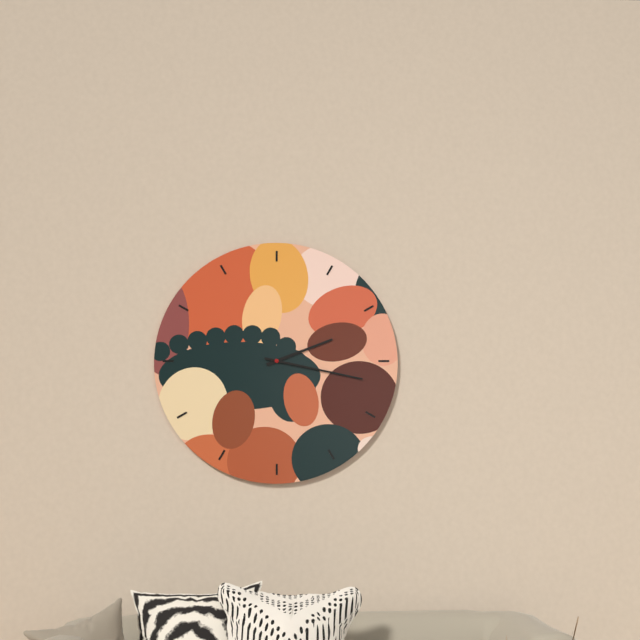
2:17
